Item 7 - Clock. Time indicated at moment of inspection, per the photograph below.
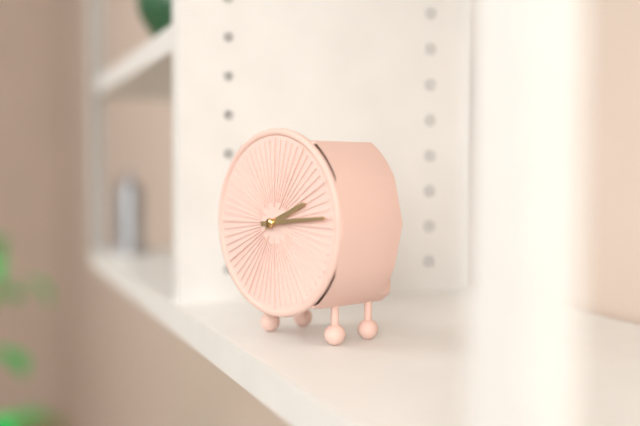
2:14
